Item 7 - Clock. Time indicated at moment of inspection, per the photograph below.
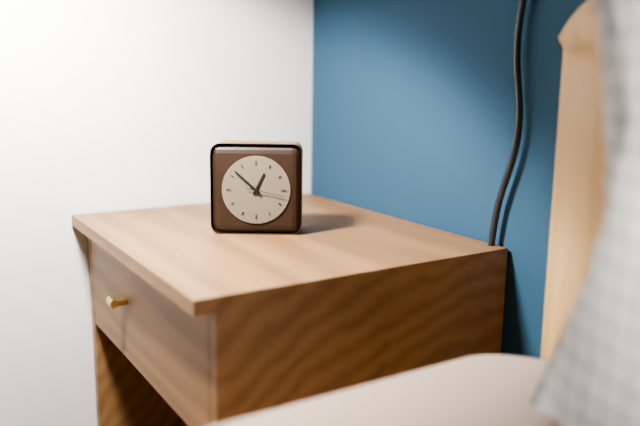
12:52
